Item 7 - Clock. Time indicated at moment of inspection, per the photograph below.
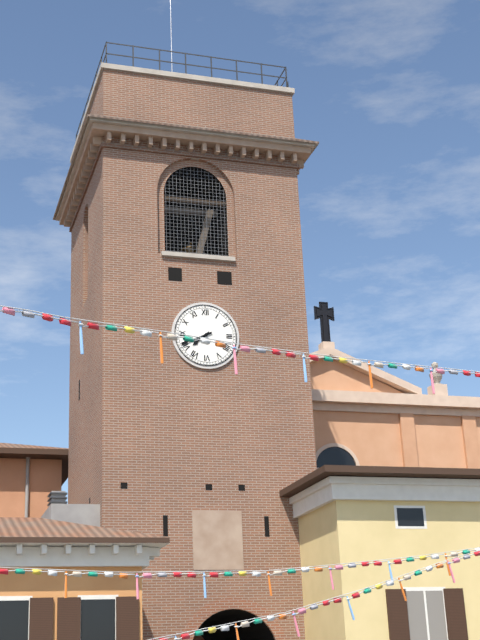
7:41
